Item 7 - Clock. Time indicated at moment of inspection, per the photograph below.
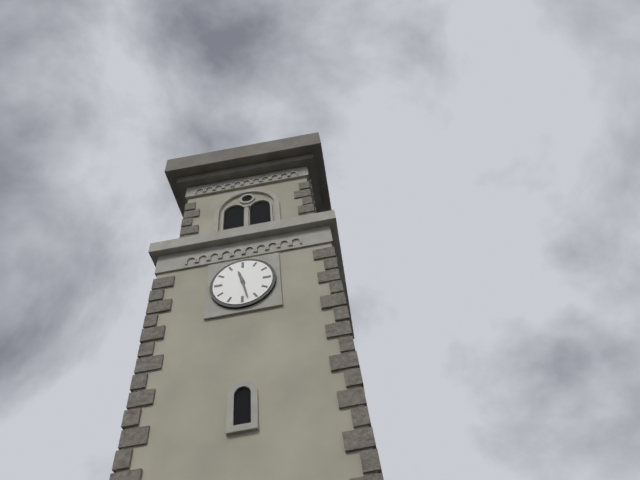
11:28
